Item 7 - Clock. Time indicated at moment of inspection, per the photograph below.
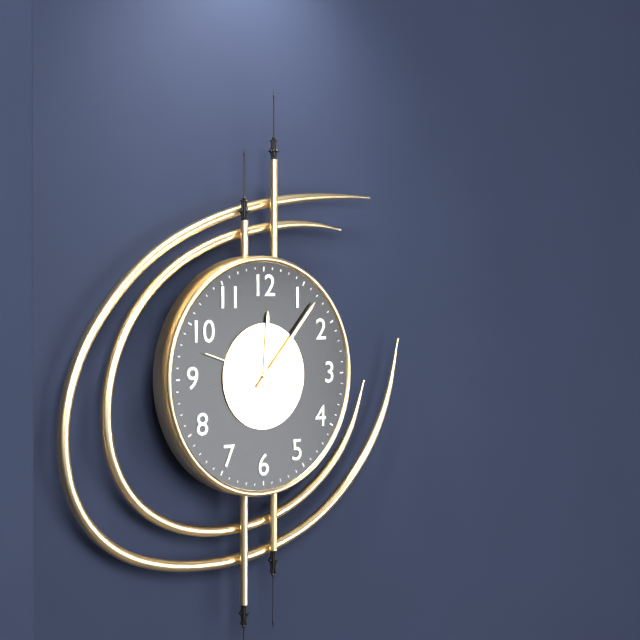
12:07:48
